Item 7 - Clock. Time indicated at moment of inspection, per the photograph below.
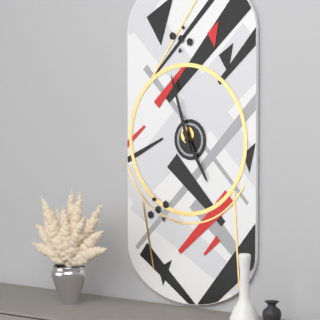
4:57
